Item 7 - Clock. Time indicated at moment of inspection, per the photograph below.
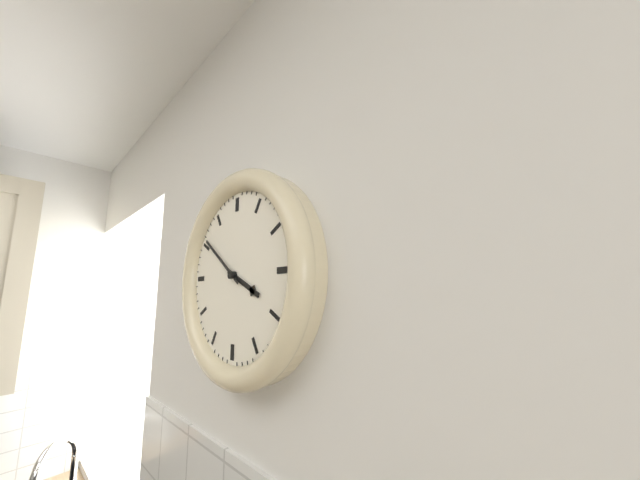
3:51
